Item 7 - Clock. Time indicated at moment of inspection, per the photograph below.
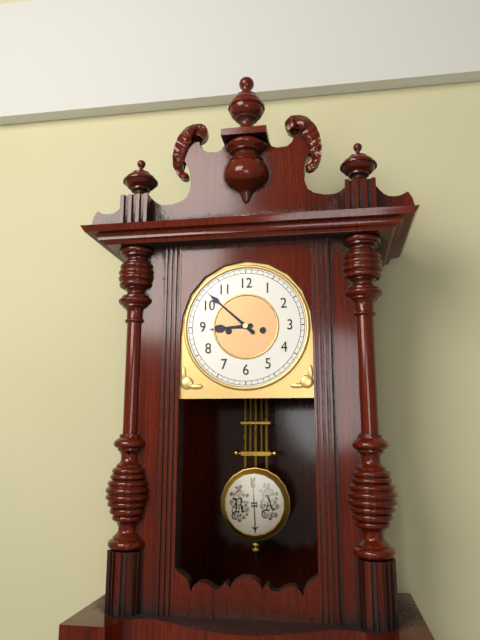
8:52
